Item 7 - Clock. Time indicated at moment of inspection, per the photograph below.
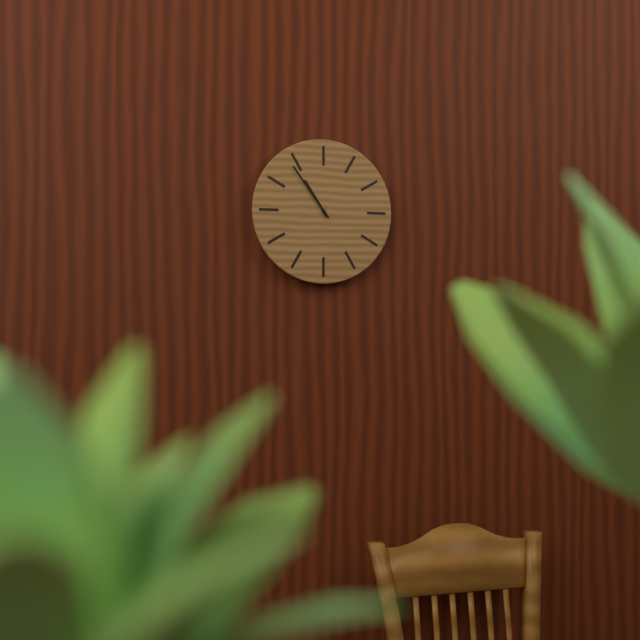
10:54
